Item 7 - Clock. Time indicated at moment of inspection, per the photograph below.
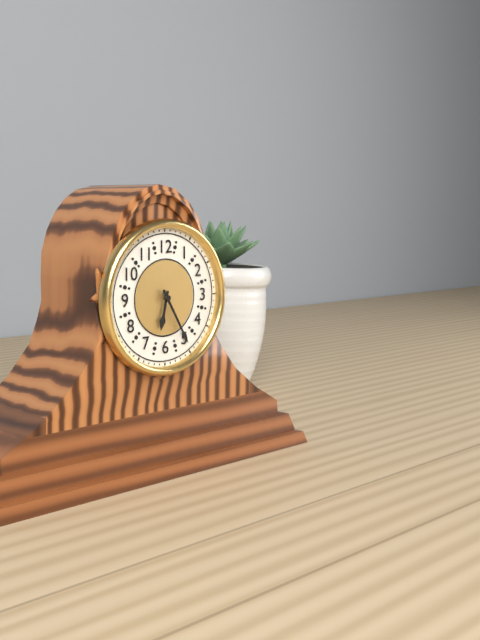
6:25
